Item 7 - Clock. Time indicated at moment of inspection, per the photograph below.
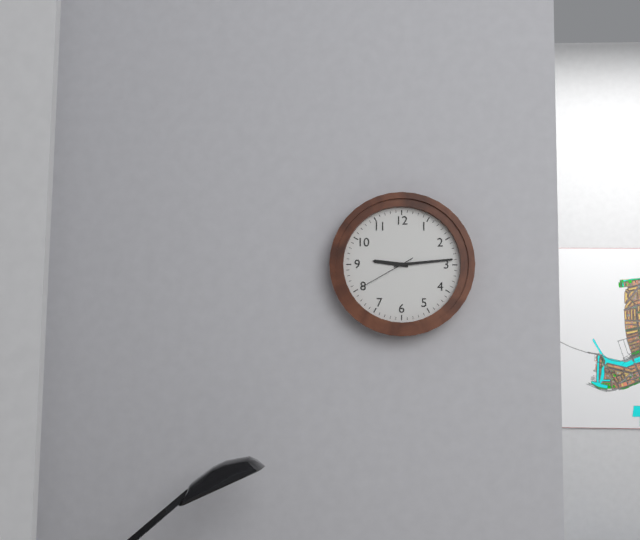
9:14:40
